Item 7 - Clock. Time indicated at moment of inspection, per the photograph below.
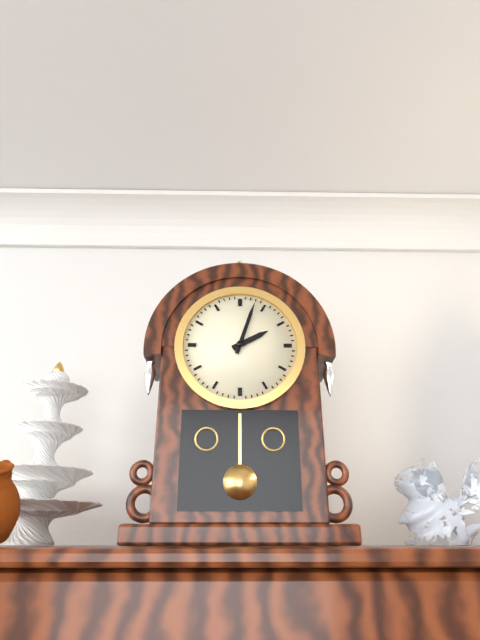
2:03
